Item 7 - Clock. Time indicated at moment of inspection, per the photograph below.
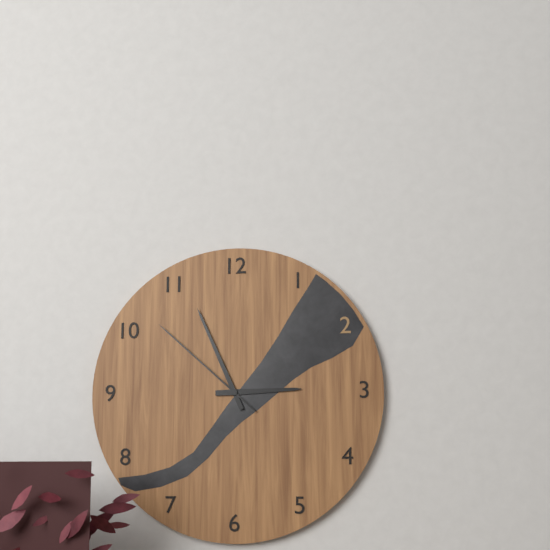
2:56:52
